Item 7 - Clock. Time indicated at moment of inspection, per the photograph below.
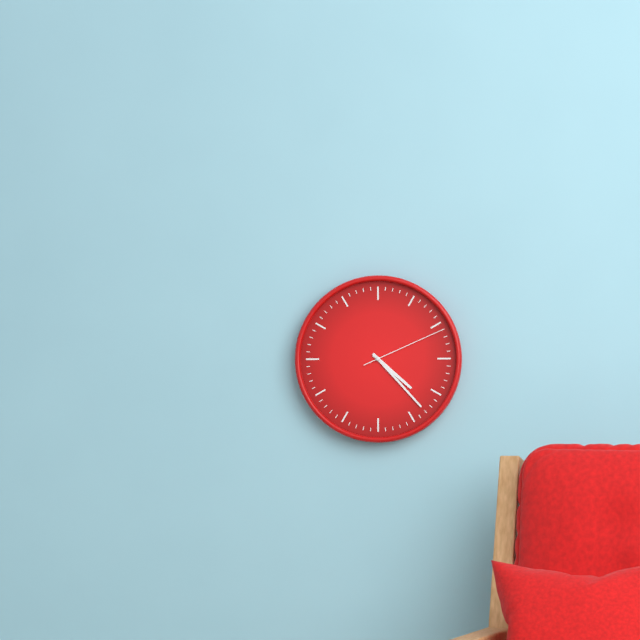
4:23:11
